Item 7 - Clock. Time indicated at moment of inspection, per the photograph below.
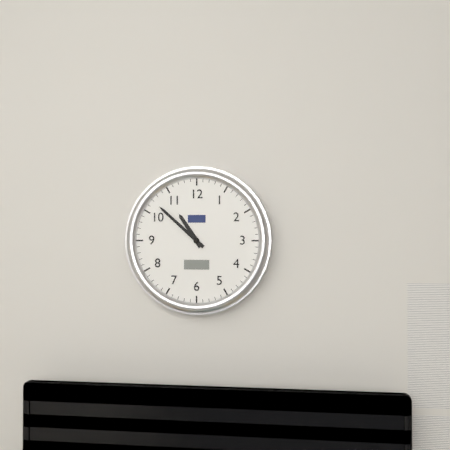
10:52
